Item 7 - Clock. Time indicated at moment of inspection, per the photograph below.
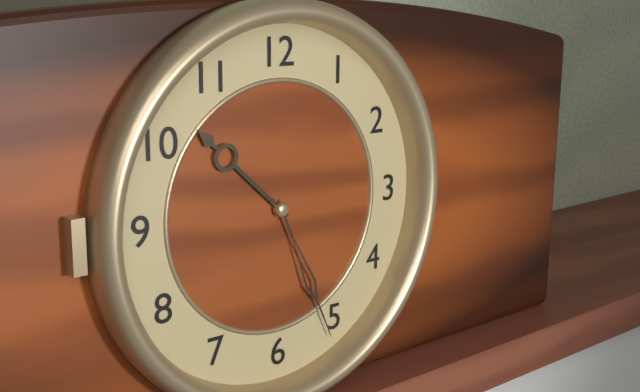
10:26
